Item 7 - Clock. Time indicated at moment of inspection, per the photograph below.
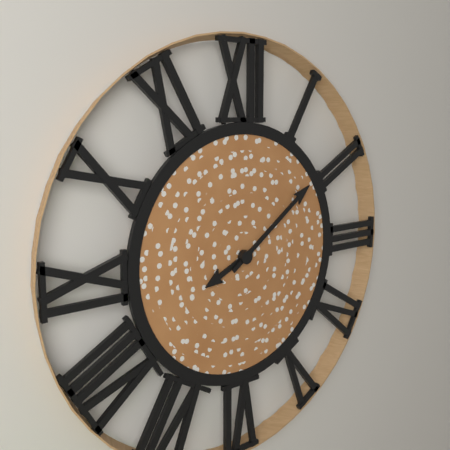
8:09
